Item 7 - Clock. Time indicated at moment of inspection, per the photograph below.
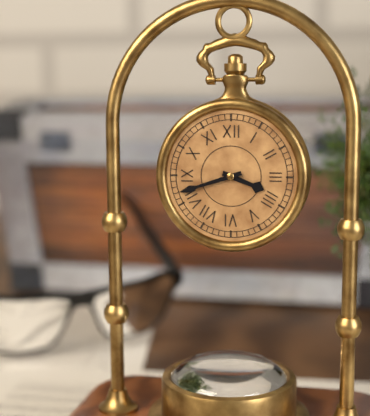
3:42
